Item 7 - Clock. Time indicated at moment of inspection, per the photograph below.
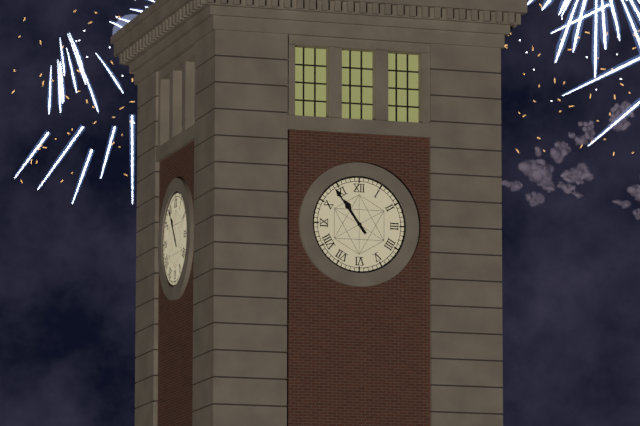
10:54
